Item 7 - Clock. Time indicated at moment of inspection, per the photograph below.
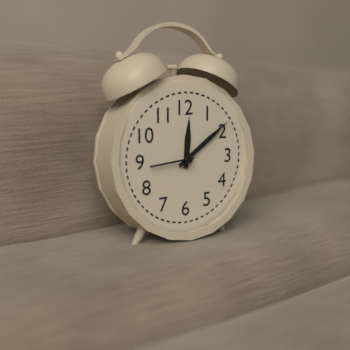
12:09
